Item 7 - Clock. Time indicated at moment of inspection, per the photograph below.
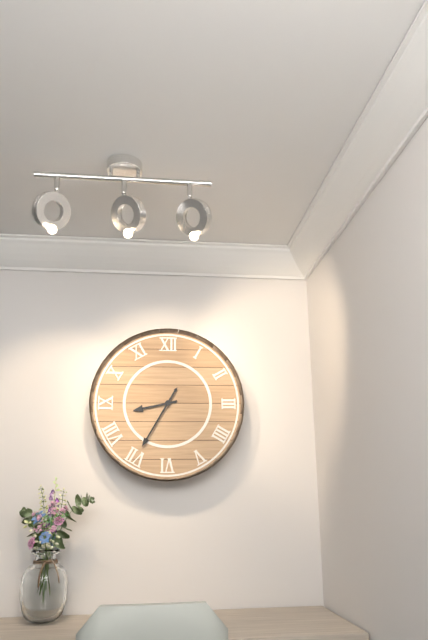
8:35
